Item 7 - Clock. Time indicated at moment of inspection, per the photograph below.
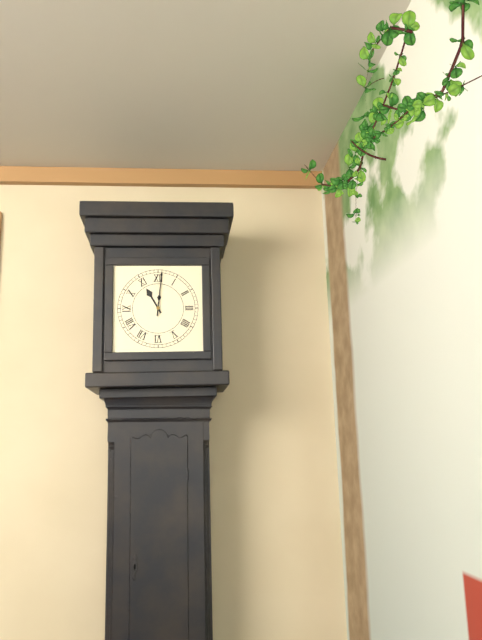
11:01
